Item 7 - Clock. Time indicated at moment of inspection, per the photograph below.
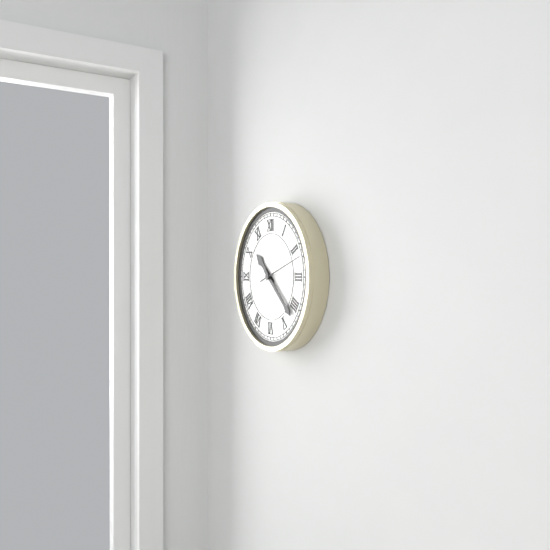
10:22
